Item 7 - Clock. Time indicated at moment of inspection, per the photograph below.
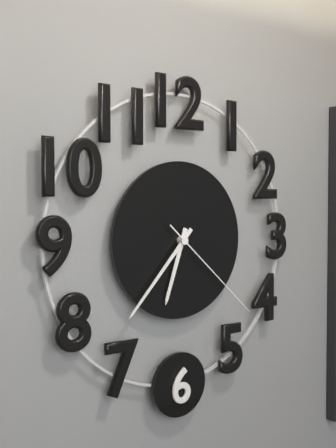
6:37:22
